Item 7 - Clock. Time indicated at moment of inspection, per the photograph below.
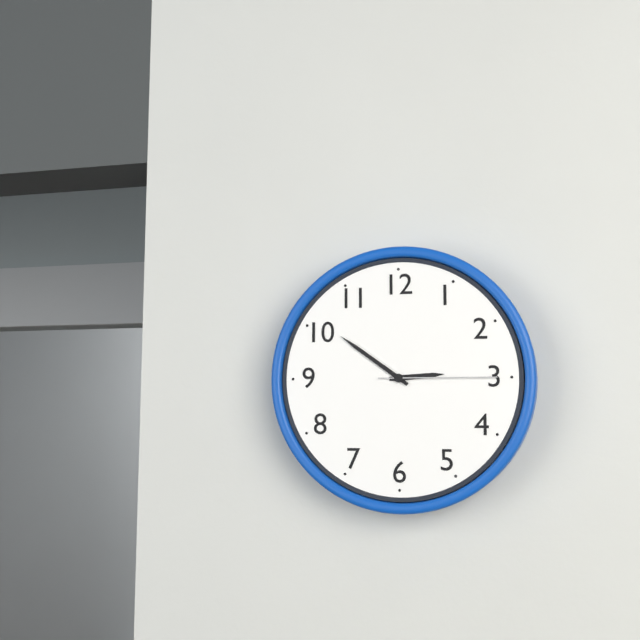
2:51:15
